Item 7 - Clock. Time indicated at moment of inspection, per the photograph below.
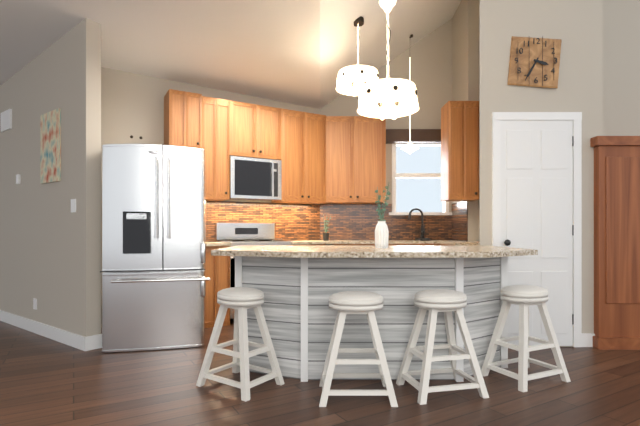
3:35
